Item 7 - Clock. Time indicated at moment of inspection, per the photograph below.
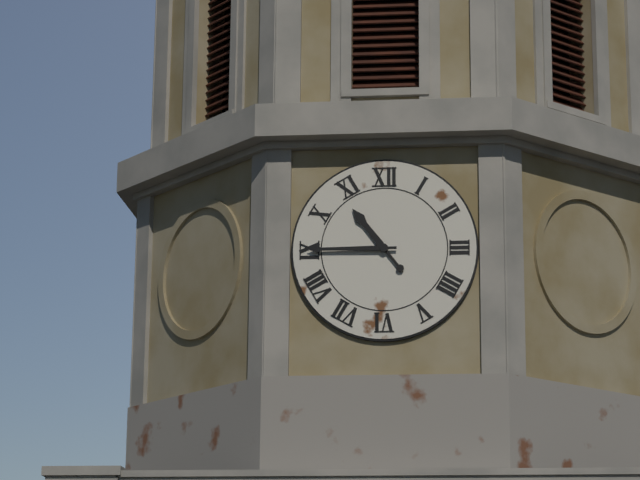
10:45
